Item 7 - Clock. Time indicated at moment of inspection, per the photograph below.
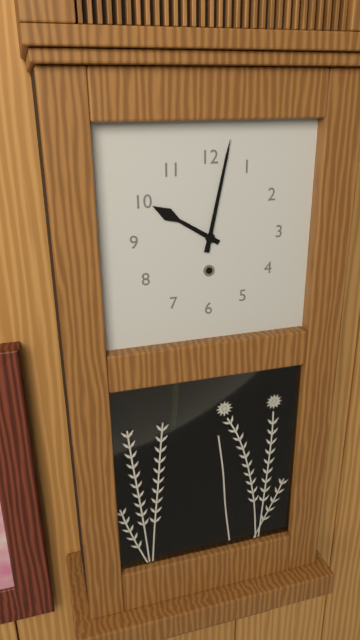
10:02
